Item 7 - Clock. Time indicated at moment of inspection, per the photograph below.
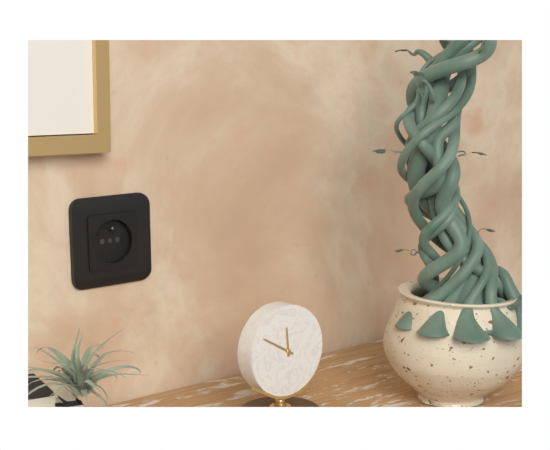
11:50
